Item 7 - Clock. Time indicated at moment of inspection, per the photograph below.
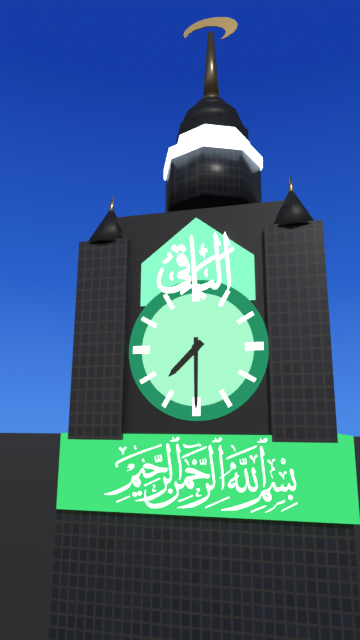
7:30
